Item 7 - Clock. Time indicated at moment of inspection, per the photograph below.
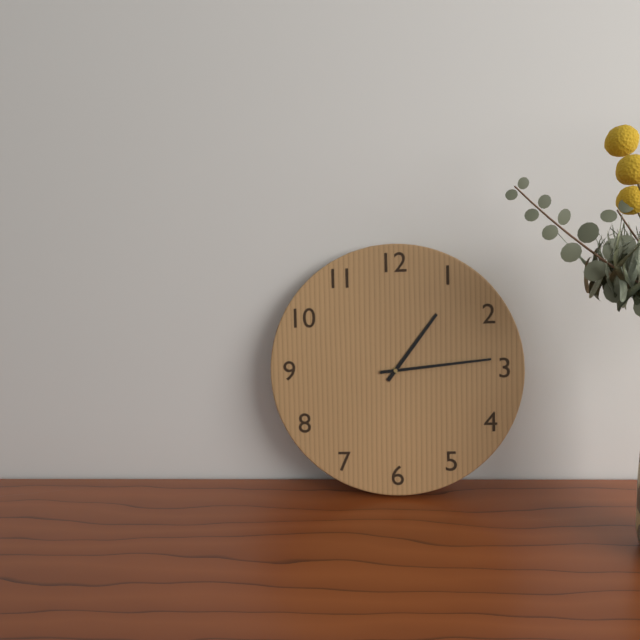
1:14
